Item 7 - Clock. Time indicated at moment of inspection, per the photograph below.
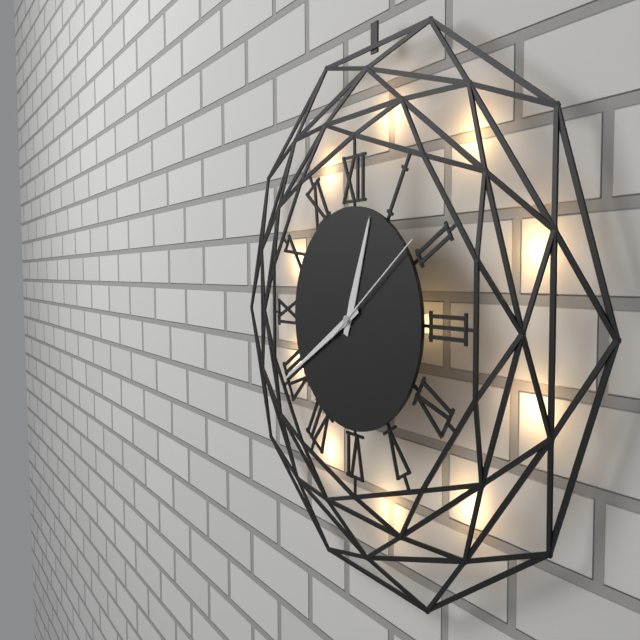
12:40:09
